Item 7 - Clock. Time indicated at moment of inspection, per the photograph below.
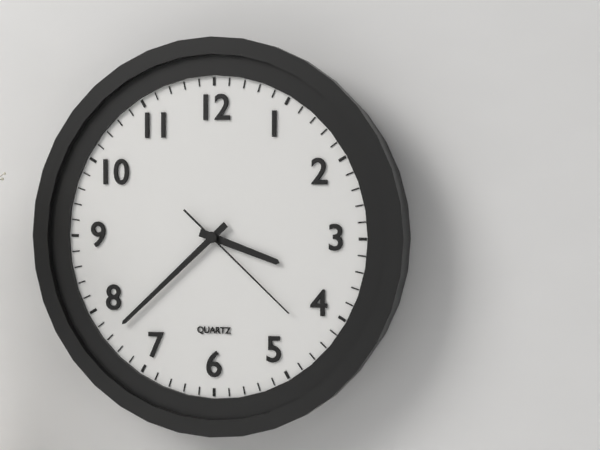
3:38:22
